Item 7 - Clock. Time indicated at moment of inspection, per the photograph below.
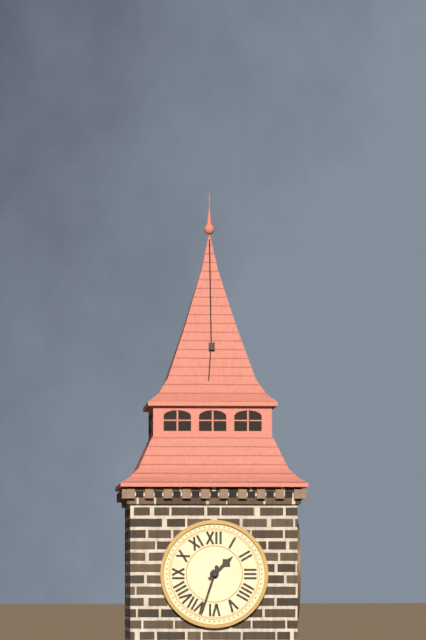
1:33
